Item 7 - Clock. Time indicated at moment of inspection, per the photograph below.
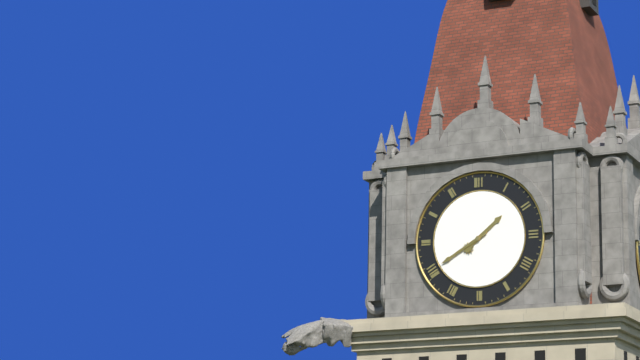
1:40
